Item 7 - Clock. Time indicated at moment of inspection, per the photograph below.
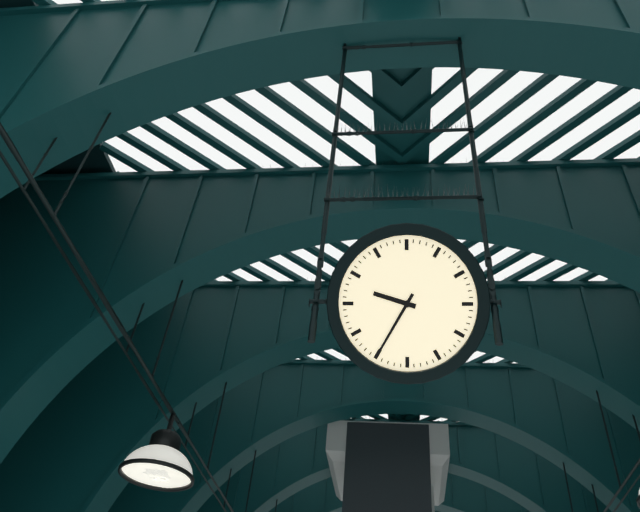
9:35
